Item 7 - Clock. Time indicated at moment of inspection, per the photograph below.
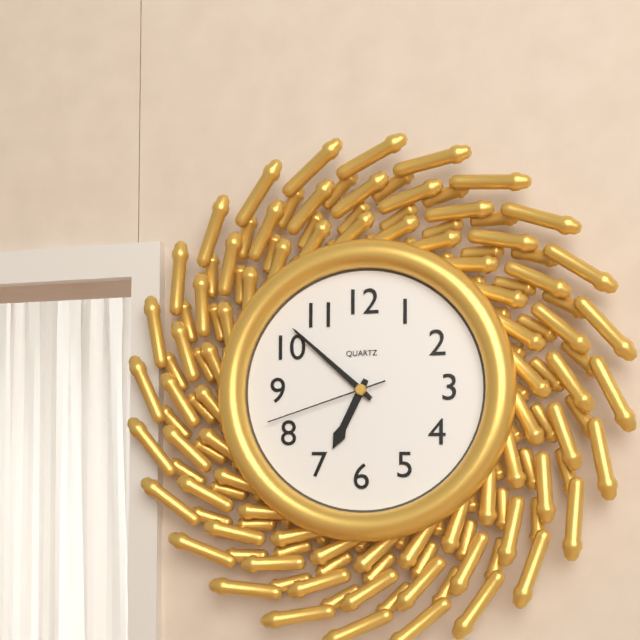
6:52:42
